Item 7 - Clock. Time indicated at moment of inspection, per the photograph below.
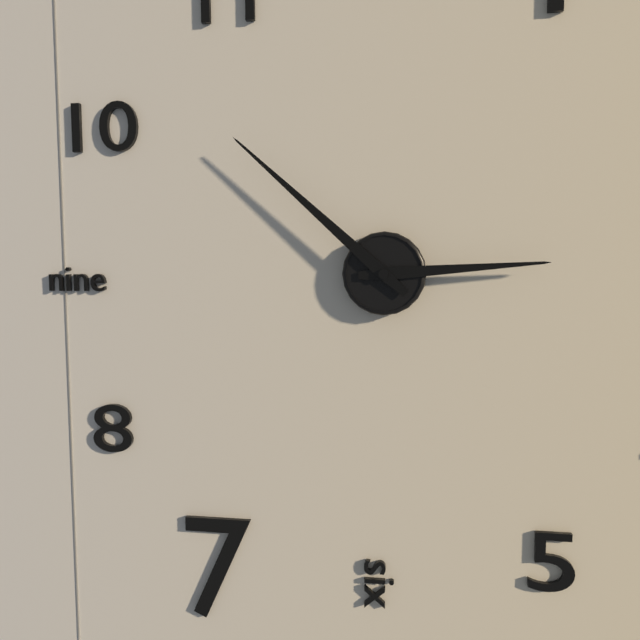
2:52
